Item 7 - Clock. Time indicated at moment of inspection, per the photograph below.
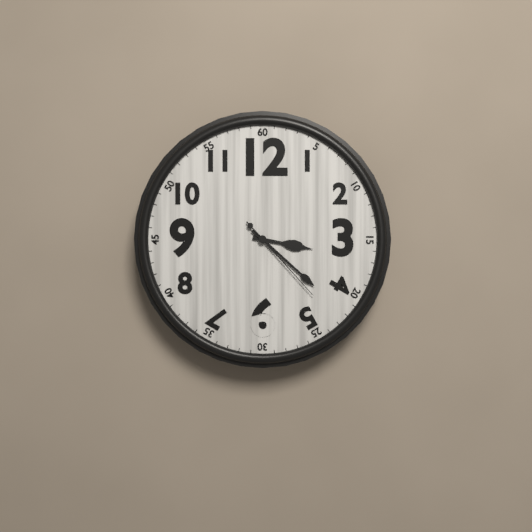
3:22:23
